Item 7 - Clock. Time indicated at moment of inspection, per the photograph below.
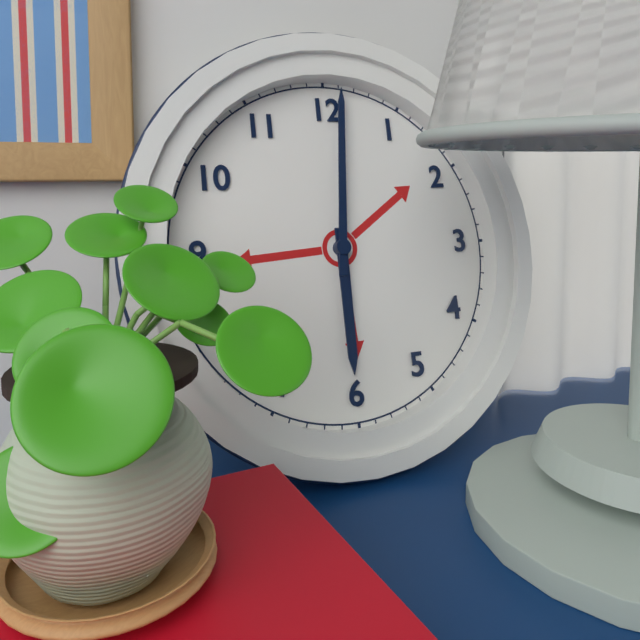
6:01
